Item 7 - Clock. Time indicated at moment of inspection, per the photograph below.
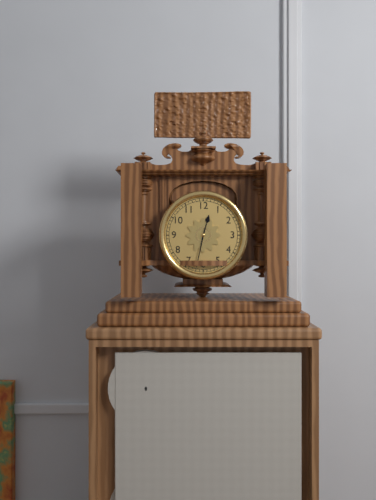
12:32
